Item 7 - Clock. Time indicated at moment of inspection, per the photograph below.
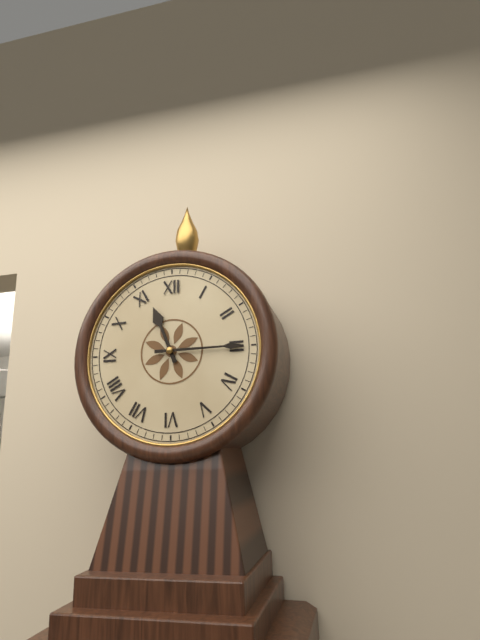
11:15
